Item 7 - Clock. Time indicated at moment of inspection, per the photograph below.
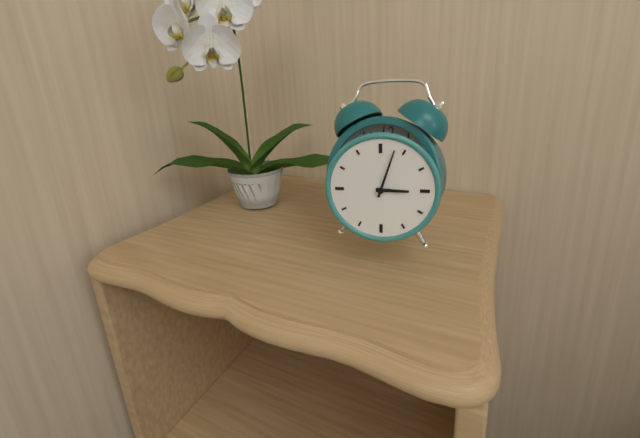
3:03
